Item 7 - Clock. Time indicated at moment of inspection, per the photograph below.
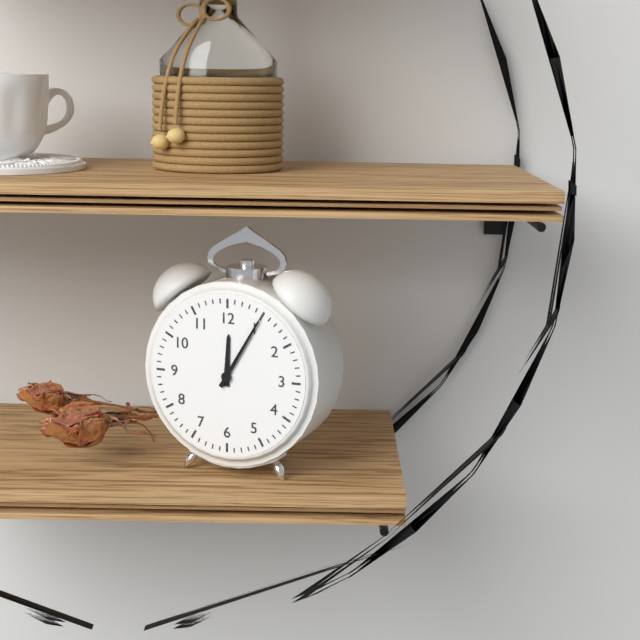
12:05
